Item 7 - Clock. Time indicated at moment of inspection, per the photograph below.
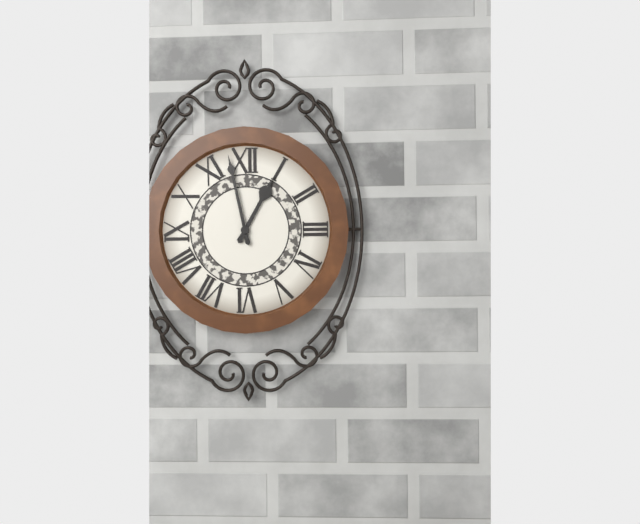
12:58
